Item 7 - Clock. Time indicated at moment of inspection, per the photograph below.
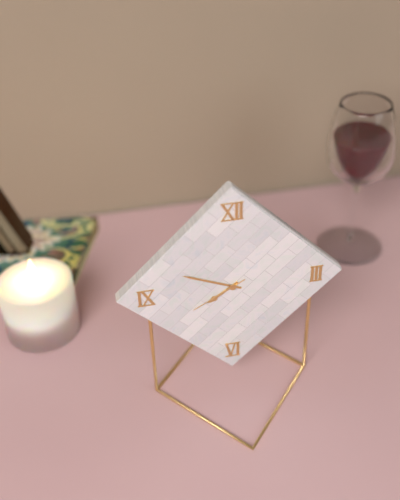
7:49:40
